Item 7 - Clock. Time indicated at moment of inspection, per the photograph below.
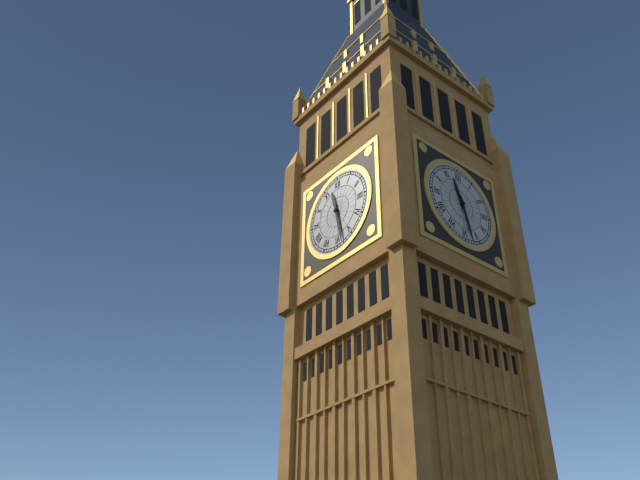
11:28
